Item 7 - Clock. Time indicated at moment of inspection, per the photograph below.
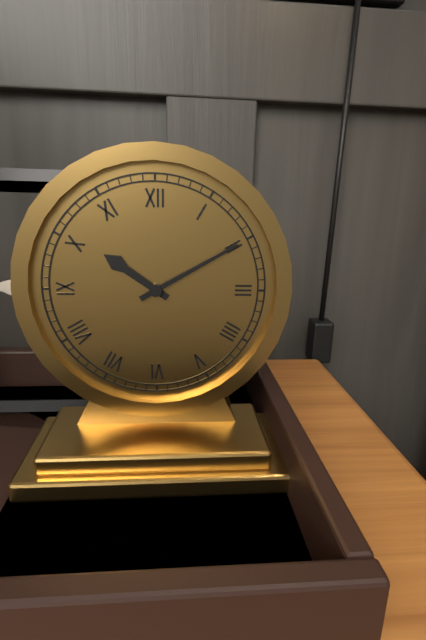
10:10
